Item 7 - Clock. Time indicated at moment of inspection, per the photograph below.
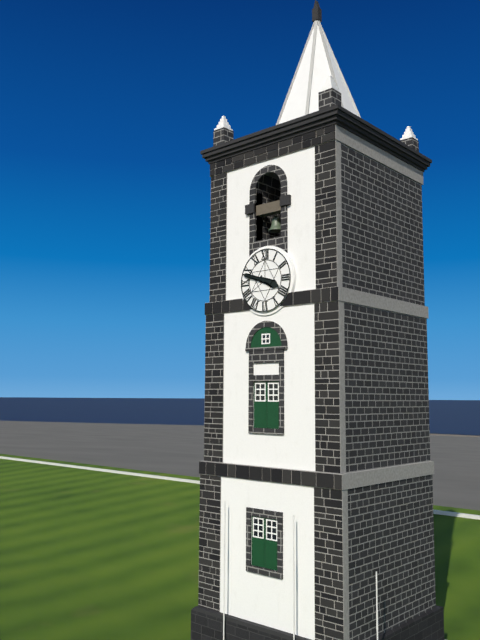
3:48
